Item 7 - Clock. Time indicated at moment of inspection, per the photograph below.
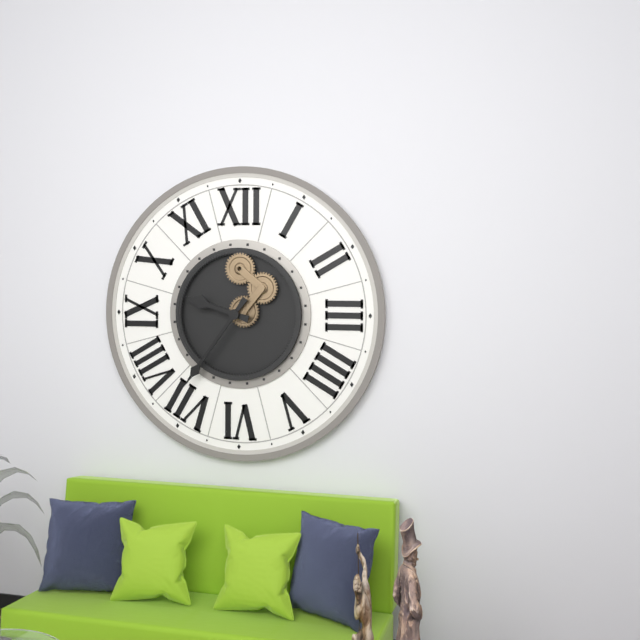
9:36
